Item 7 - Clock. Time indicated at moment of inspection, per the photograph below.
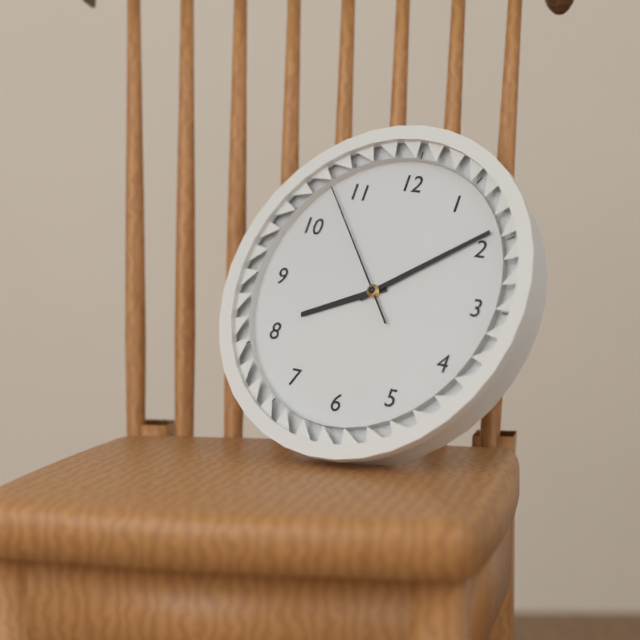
8:09:53
